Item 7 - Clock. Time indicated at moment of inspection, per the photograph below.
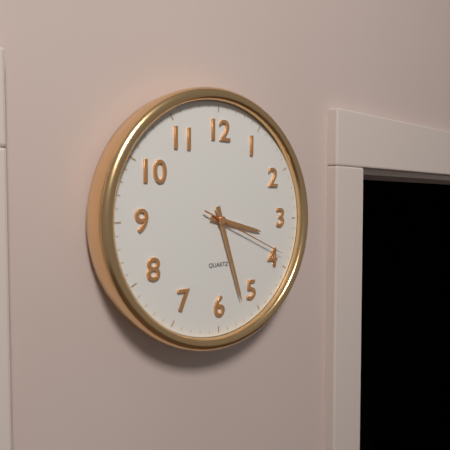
3:27:19
